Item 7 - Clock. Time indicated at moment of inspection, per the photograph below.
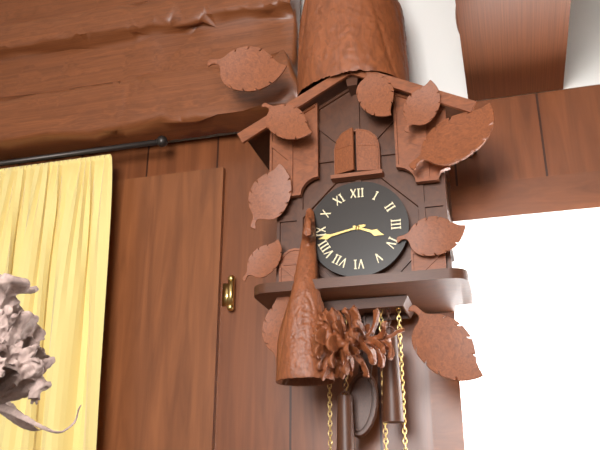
3:43
